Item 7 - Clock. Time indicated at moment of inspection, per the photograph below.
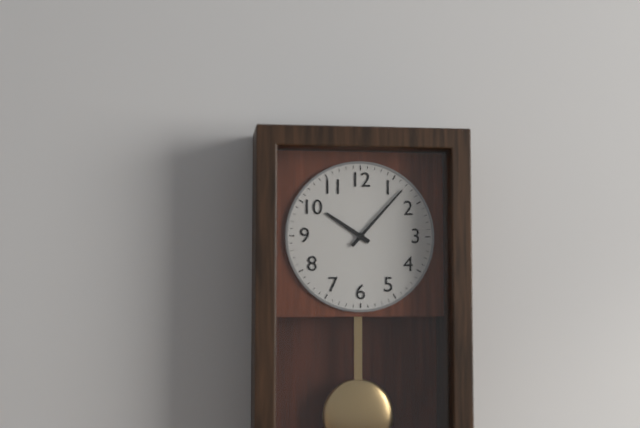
10:07
